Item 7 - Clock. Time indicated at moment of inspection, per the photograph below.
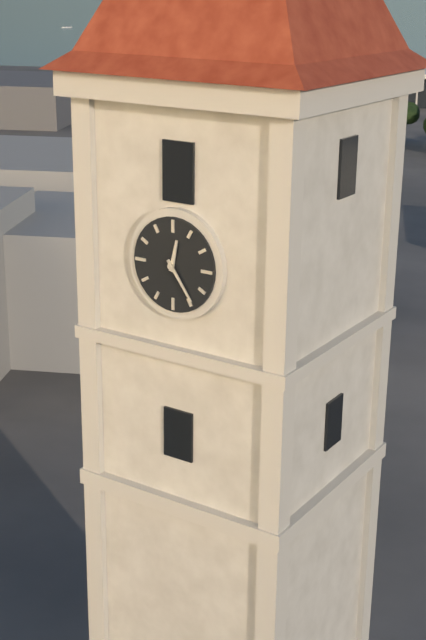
12:24
